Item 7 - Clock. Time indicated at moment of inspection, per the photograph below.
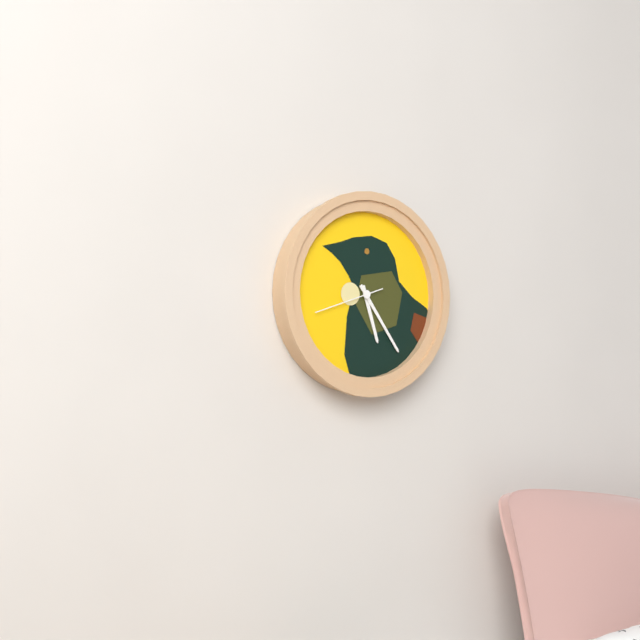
5:24:42
